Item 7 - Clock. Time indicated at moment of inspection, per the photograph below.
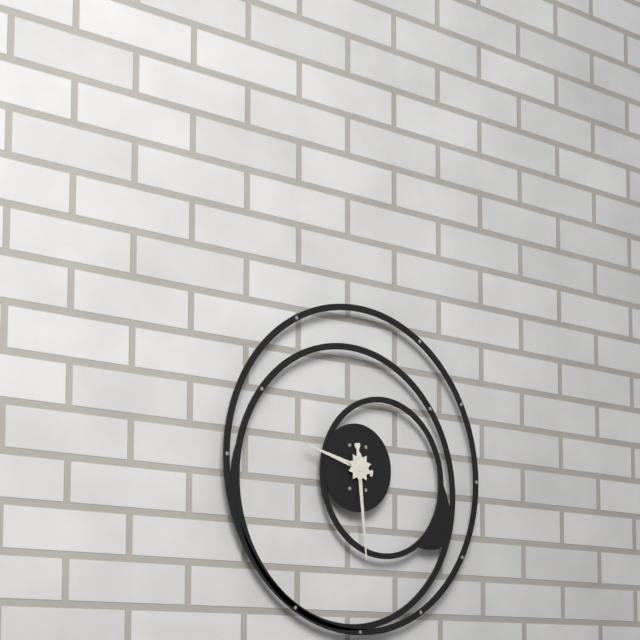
9:29
